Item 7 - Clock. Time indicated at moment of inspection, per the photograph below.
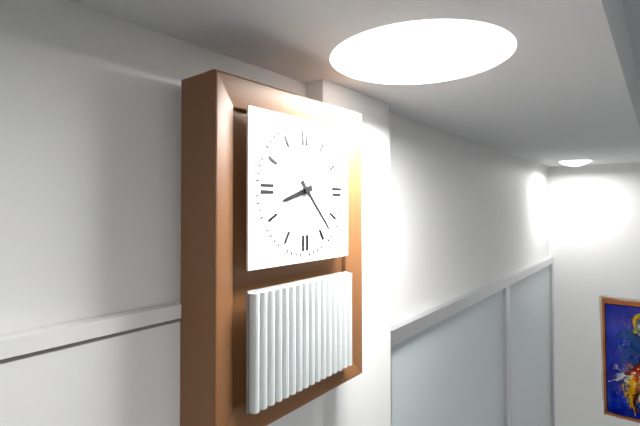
8:23
